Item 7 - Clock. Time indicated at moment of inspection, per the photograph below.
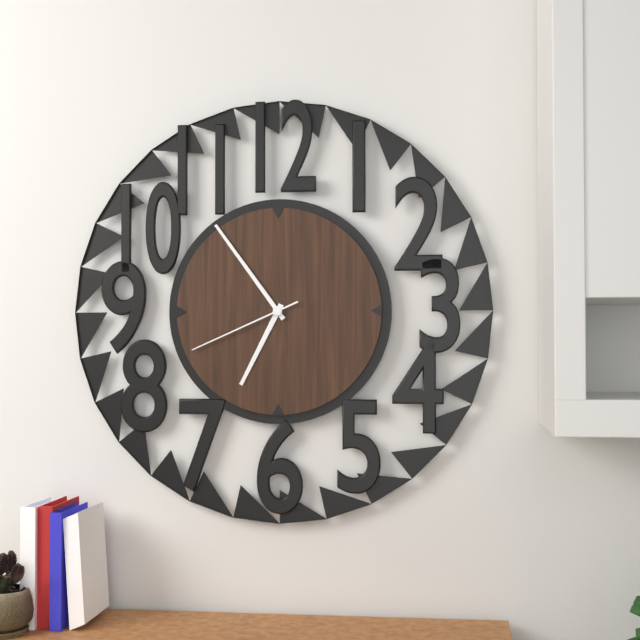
6:54:41
